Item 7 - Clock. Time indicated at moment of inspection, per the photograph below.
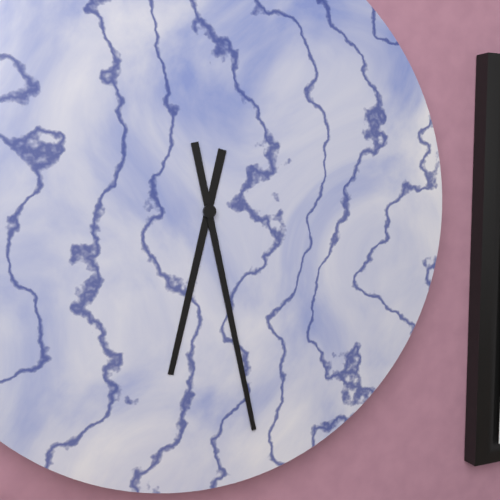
6:28
